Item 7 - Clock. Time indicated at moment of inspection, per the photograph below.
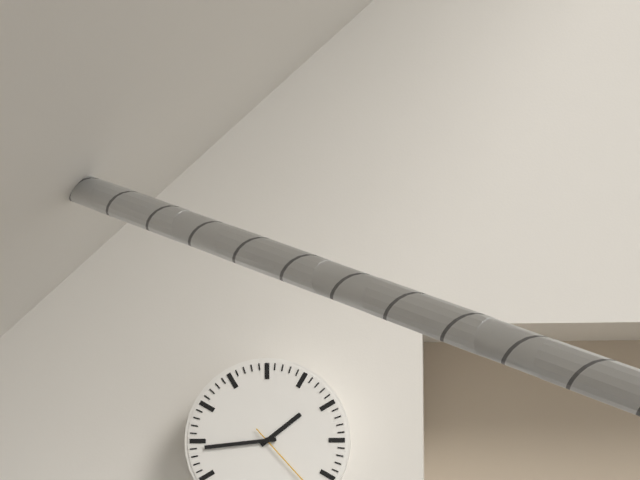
1:44
